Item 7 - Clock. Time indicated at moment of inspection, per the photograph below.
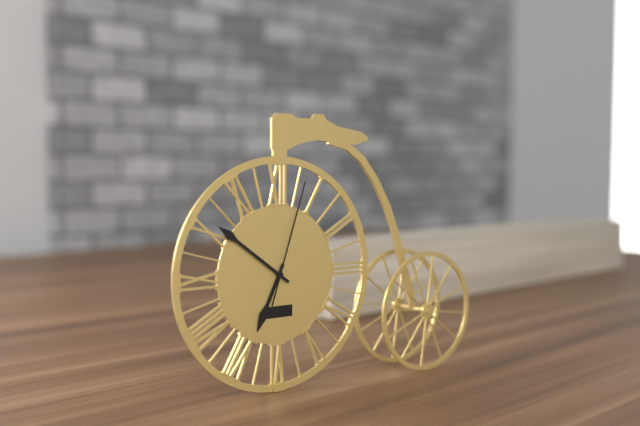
6:51:03
